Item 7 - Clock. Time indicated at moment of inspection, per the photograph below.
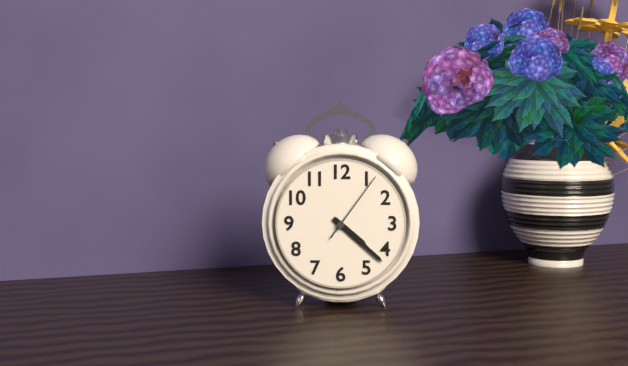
4:22:06
